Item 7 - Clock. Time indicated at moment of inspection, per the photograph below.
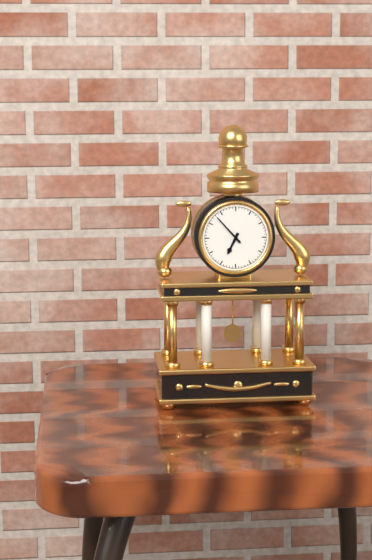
6:53
